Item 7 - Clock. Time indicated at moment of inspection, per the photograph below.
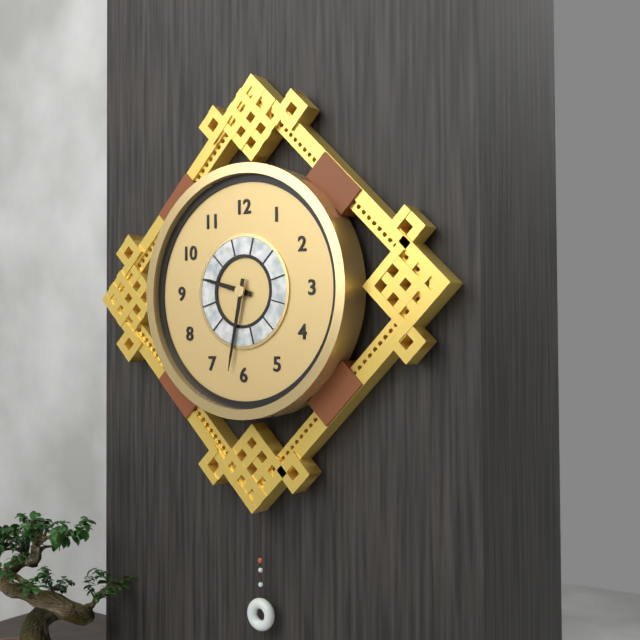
9:32
